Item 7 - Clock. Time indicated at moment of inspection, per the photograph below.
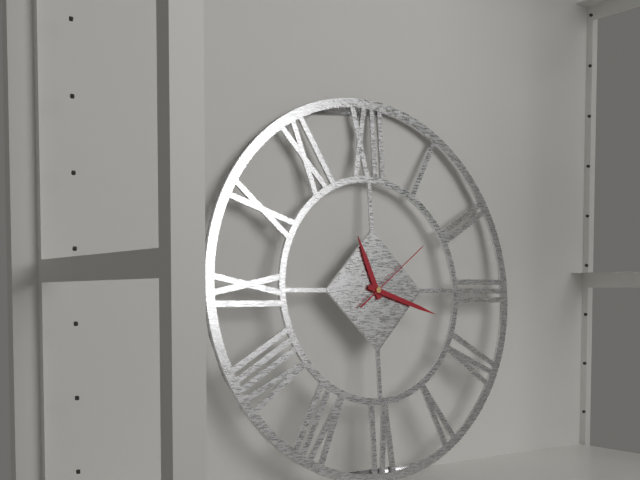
11:18:09
